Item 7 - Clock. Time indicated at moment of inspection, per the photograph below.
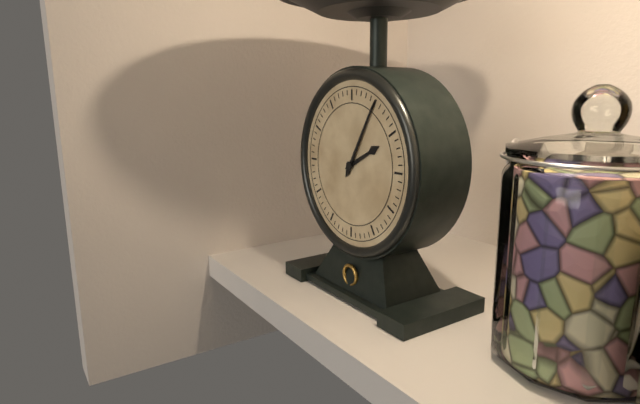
2:05
